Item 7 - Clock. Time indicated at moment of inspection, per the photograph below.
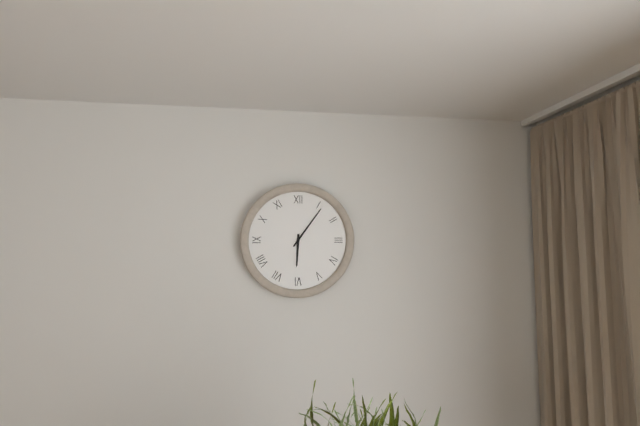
6:06
